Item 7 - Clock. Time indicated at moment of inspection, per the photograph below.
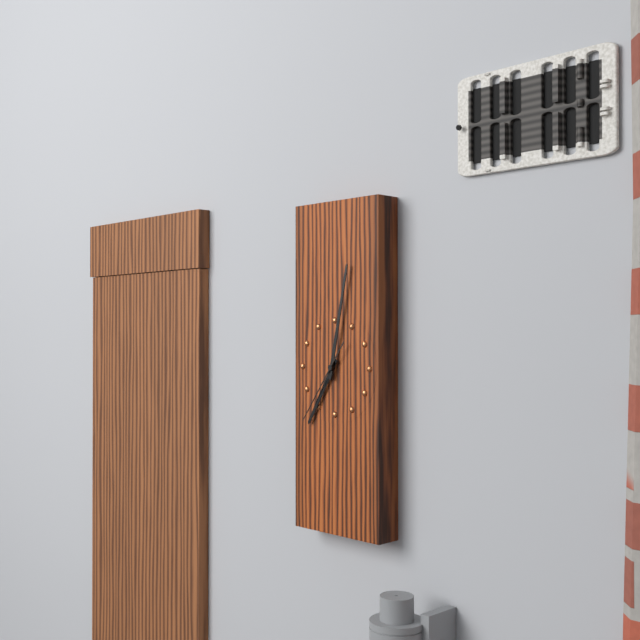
7:02:36
